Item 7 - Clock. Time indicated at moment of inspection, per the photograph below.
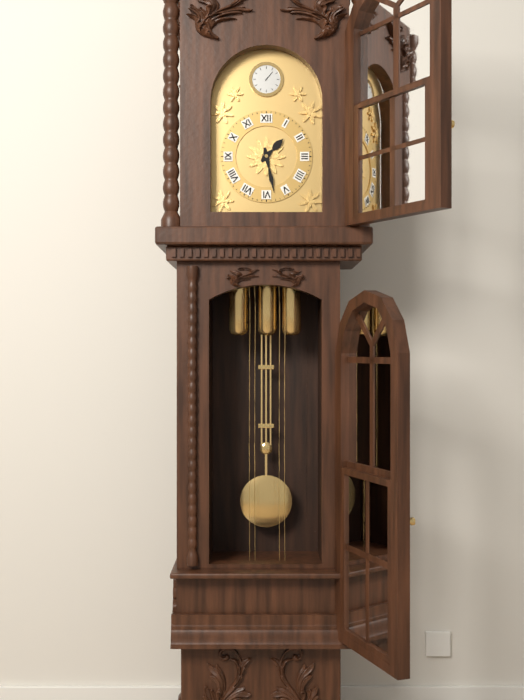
1:28
